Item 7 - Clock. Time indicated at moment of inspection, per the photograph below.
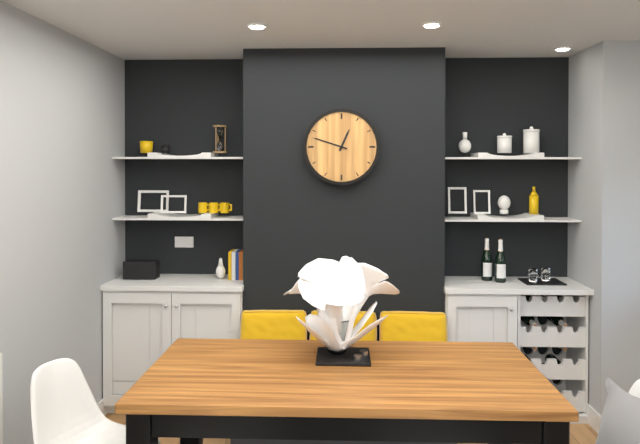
12:48
